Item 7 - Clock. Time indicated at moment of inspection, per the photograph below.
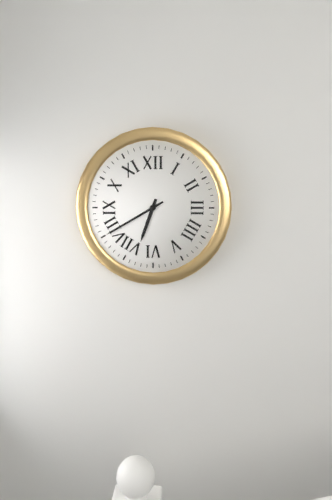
6:40
